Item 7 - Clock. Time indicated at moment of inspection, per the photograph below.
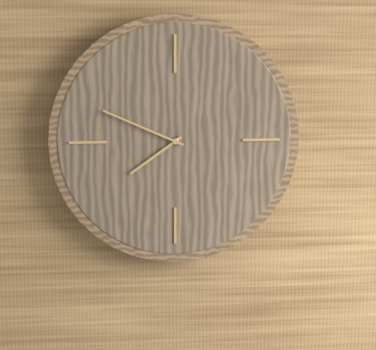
7:49
